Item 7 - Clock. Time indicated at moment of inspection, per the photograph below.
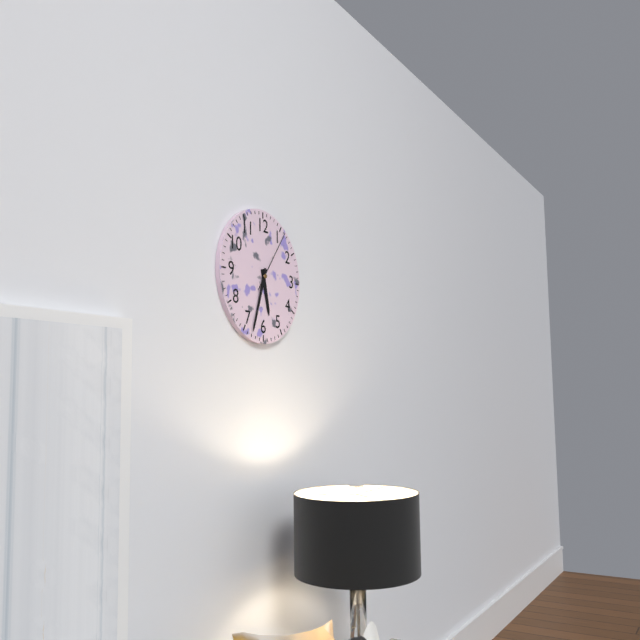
5:33:06
